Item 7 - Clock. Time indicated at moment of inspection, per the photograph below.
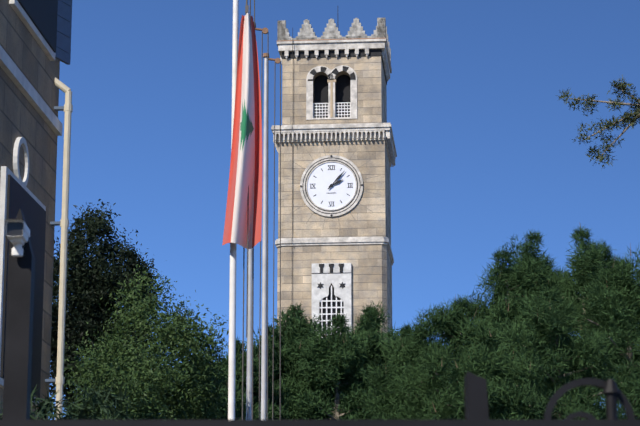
2:07
